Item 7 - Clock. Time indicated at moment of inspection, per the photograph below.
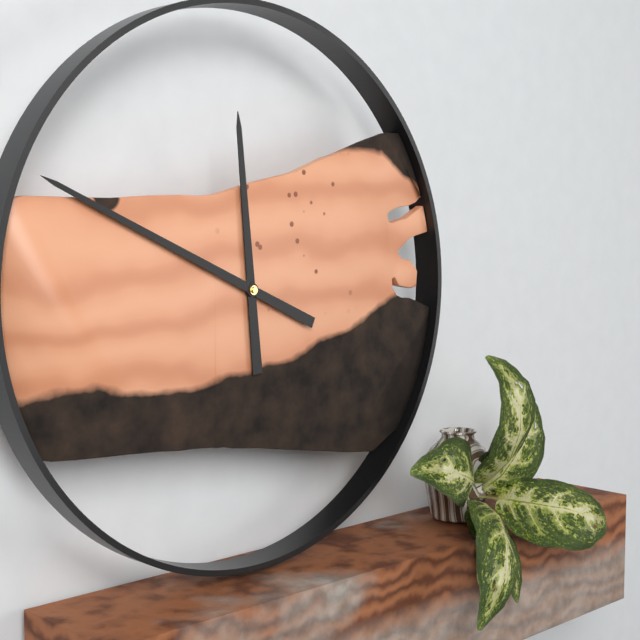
11:49
